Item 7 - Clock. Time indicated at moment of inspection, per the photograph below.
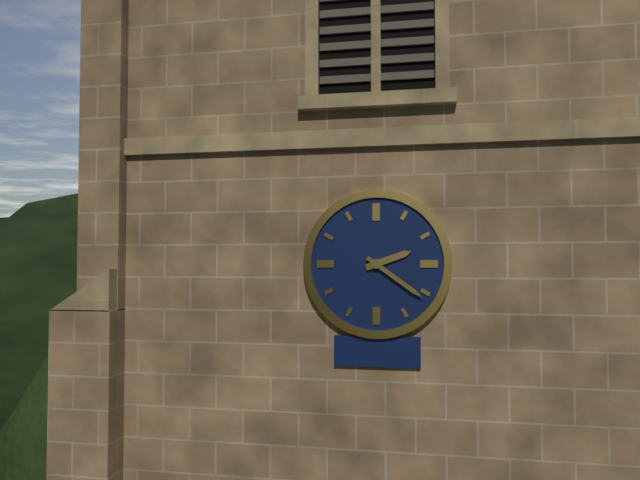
2:21
